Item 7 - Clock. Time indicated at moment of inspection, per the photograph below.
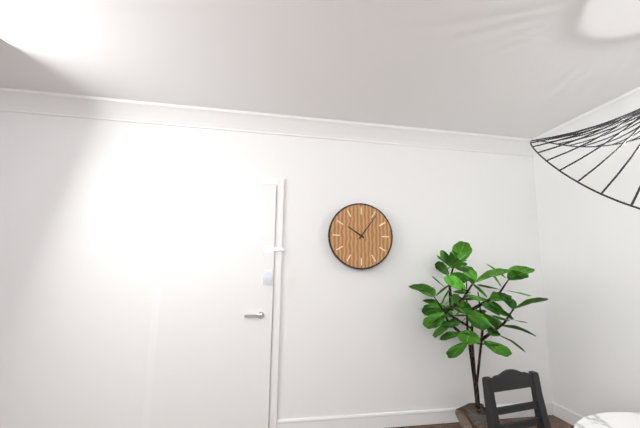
10:06
